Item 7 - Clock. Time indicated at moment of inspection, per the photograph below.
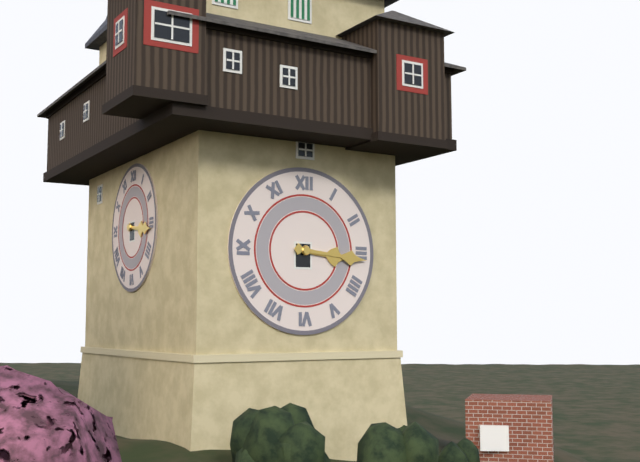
3:16
